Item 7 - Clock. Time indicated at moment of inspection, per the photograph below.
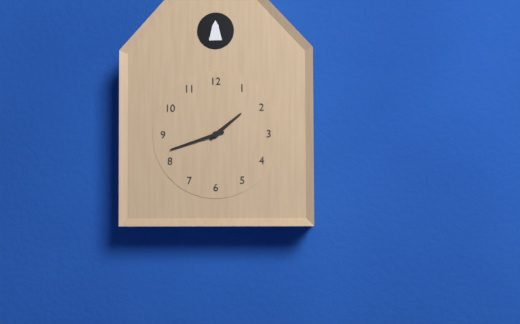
1:42
